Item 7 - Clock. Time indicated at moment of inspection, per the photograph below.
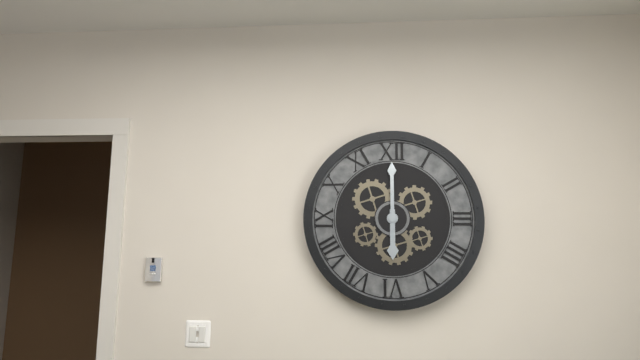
6:00
